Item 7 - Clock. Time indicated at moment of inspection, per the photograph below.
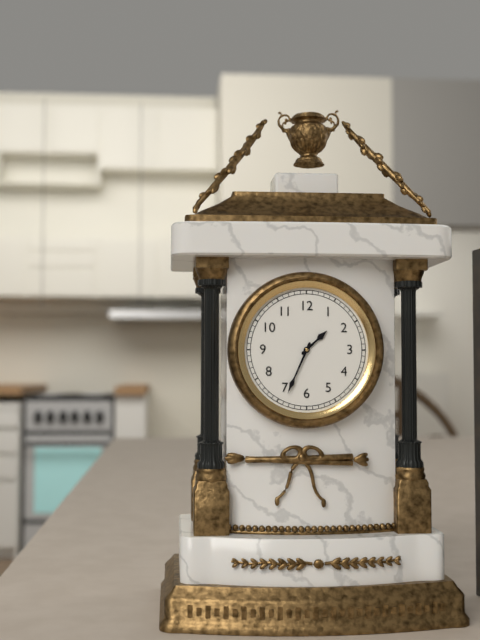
1:34
